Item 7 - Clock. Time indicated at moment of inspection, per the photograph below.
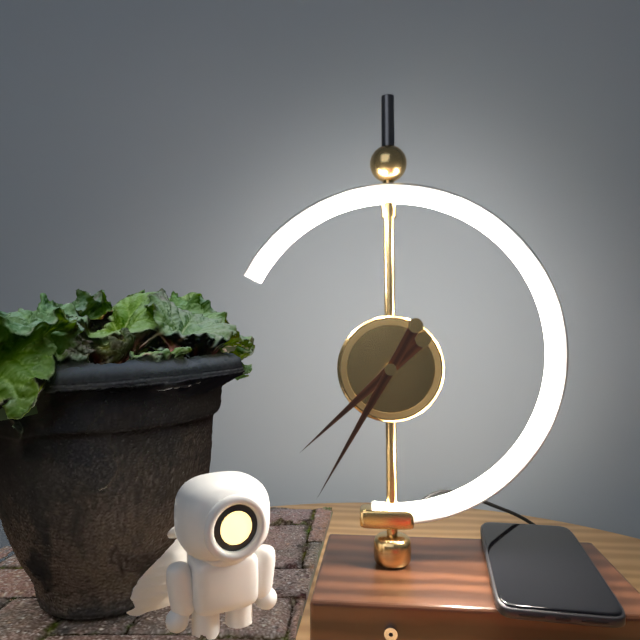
7:35
